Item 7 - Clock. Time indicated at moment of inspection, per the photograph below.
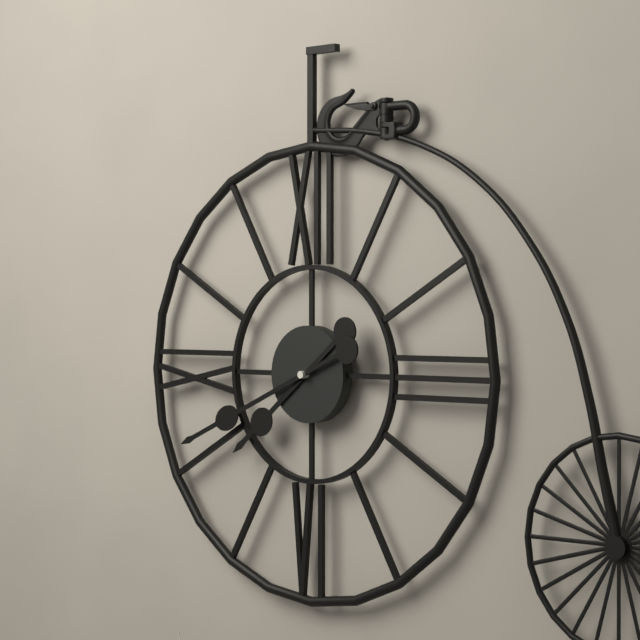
7:41
